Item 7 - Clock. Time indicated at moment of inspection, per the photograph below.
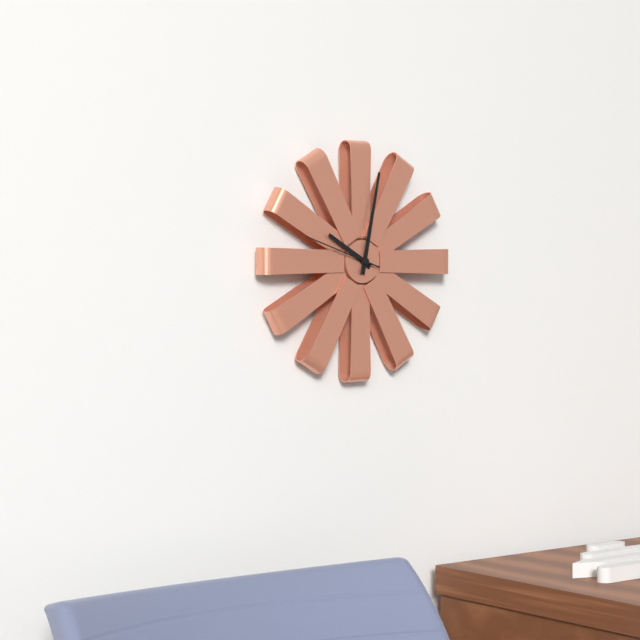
10:02:48
